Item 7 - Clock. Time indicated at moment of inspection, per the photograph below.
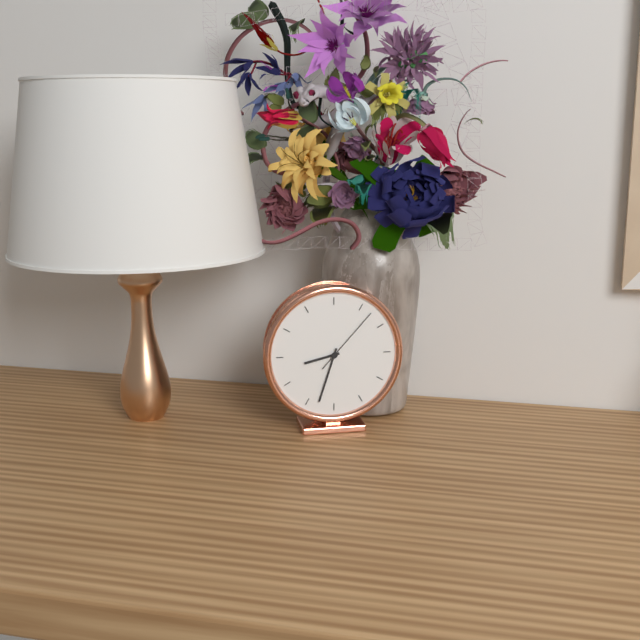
8:33:07
